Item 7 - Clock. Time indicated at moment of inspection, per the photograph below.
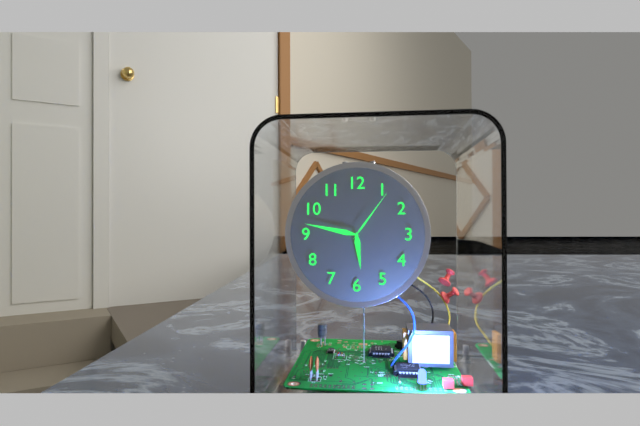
5:47:06
